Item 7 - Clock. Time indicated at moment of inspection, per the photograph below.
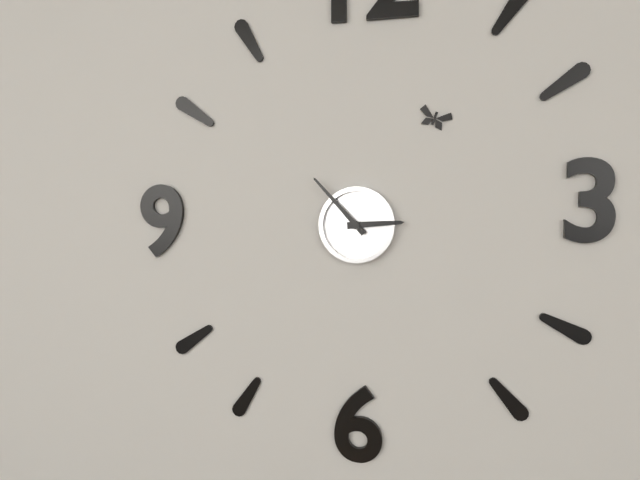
2:53
